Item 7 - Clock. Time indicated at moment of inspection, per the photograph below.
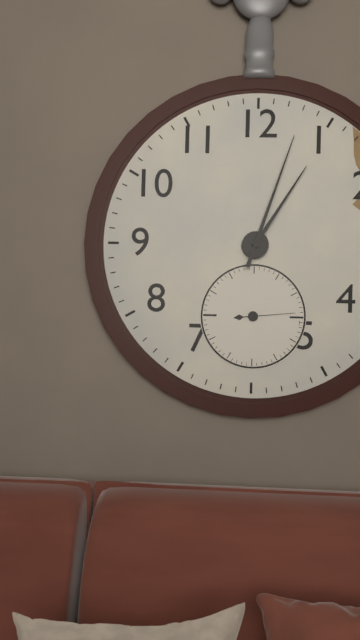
1:03:14
